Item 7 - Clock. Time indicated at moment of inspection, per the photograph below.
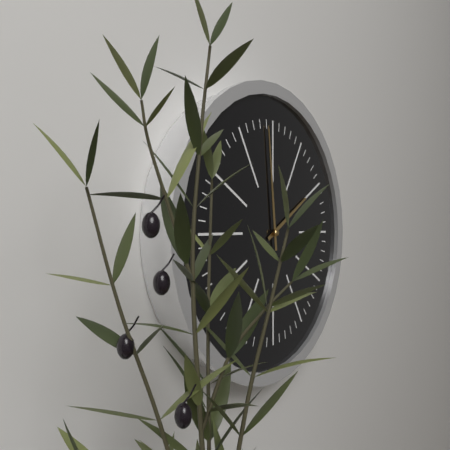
1:59
